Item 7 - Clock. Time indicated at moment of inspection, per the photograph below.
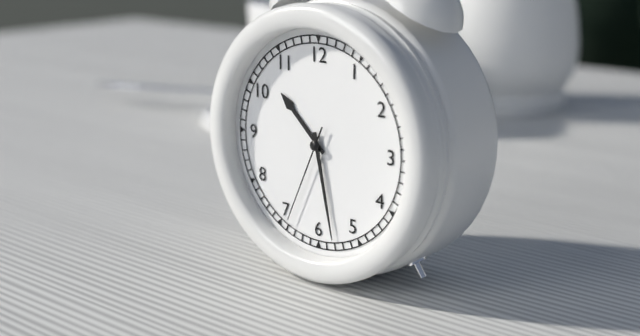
10:28:34
